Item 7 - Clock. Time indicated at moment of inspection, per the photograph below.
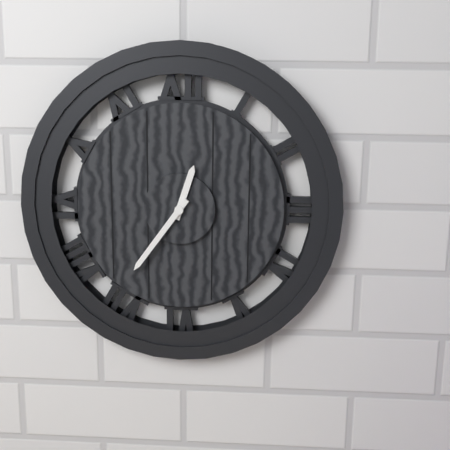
12:36
